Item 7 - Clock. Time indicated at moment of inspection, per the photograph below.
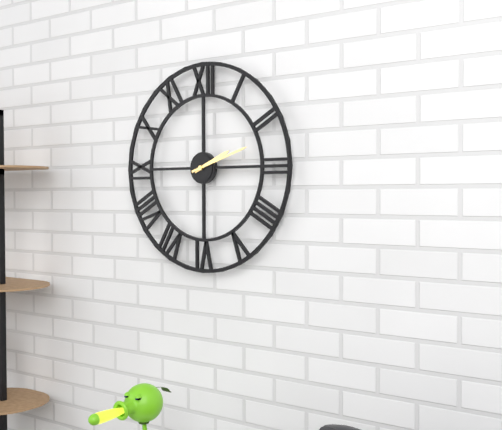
2:12
